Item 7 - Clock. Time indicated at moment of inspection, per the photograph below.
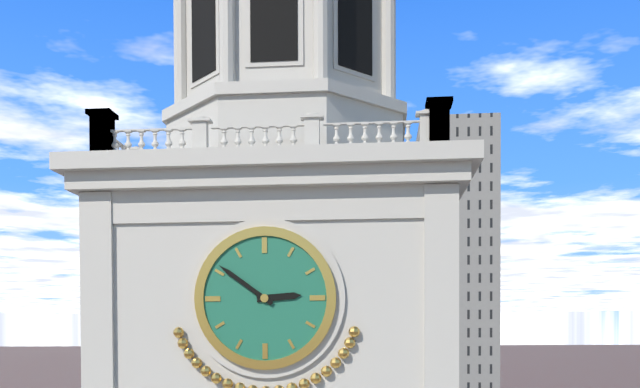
2:51
